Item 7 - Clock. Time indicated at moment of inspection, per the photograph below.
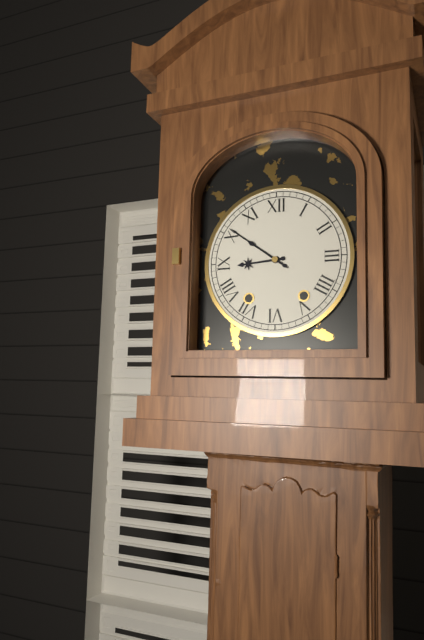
8:51
